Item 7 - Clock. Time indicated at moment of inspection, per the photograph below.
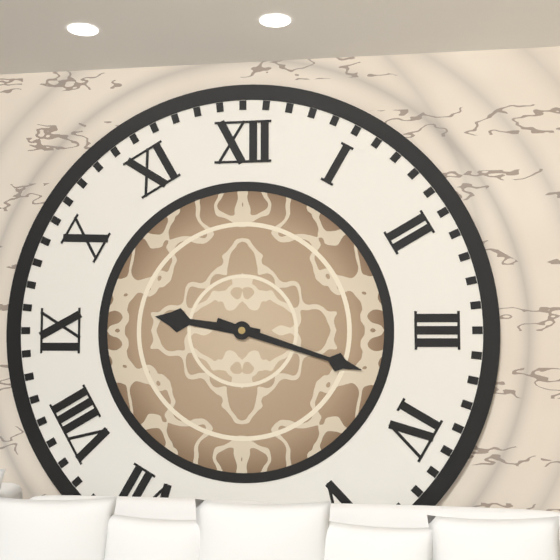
9:18
